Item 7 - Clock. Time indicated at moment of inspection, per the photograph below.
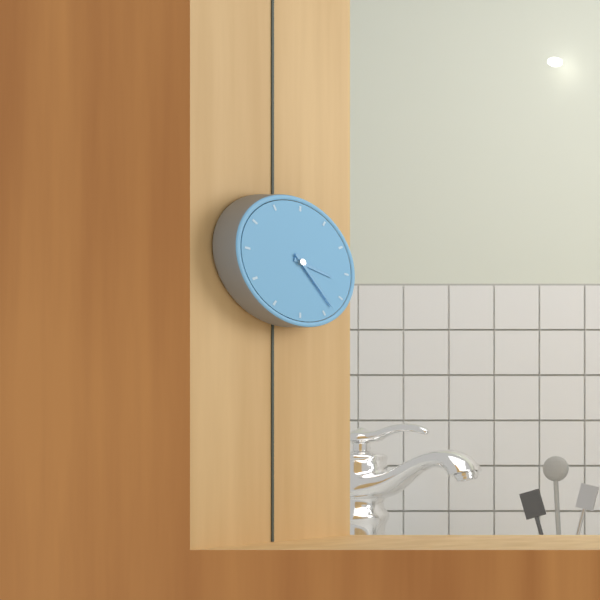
3:23
